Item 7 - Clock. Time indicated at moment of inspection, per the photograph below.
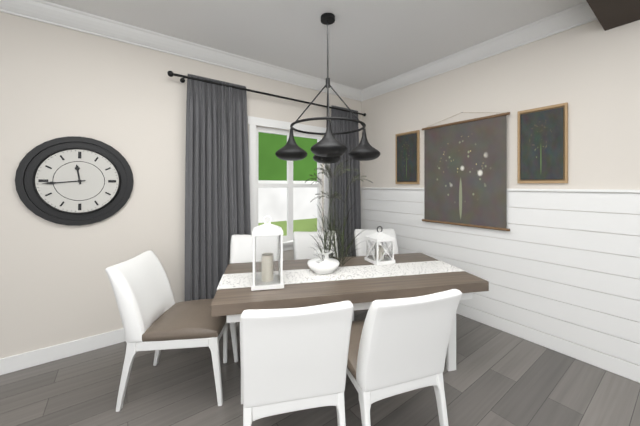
11:44
